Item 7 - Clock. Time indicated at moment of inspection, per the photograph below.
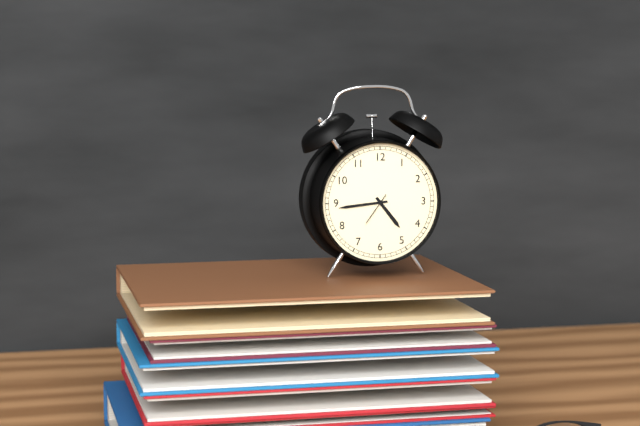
4:44
